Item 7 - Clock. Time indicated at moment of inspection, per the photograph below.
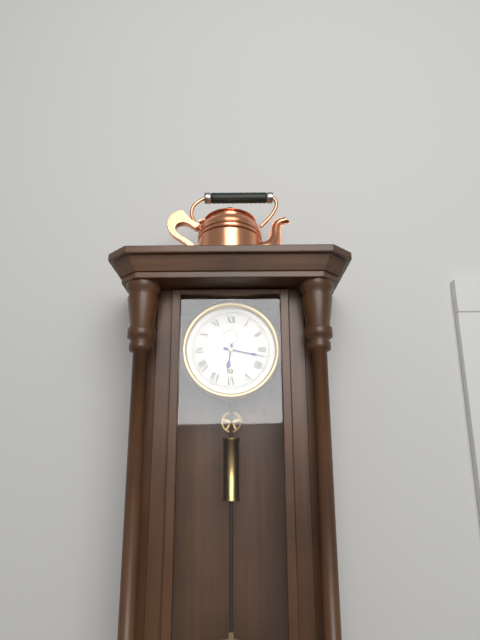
6:17
